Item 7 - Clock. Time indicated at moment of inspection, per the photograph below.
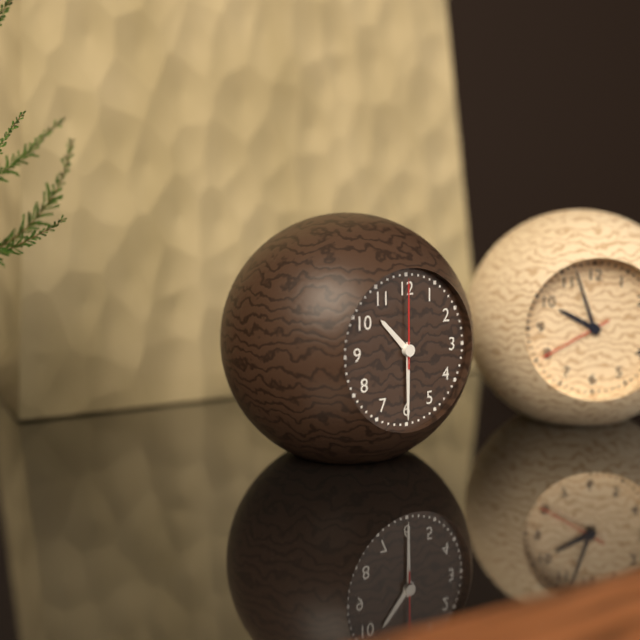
10:30:00
